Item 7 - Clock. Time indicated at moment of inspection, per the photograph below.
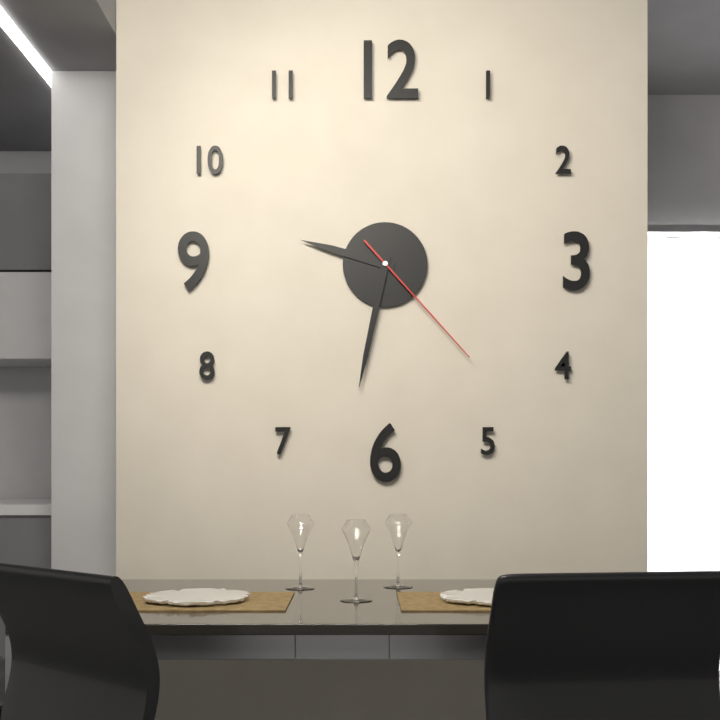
9:32:23
